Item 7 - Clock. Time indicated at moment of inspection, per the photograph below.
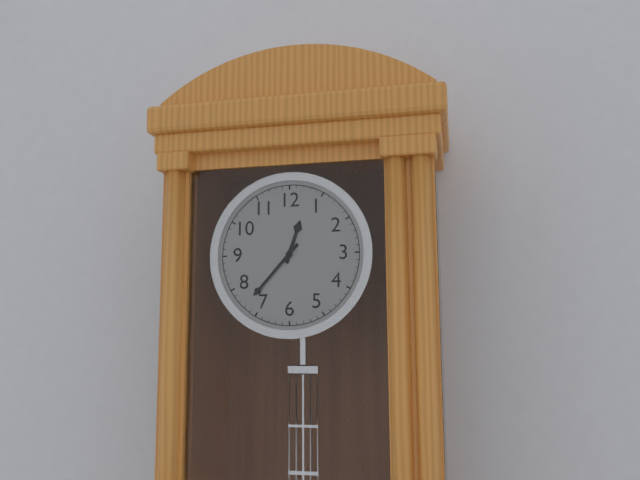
12:37
